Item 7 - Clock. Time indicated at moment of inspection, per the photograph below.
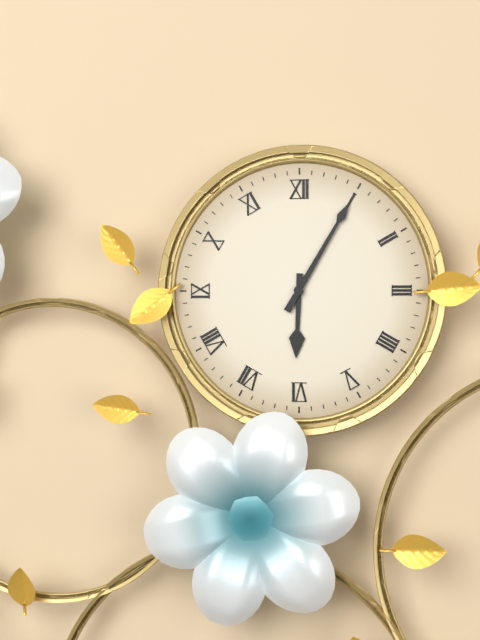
6:05
